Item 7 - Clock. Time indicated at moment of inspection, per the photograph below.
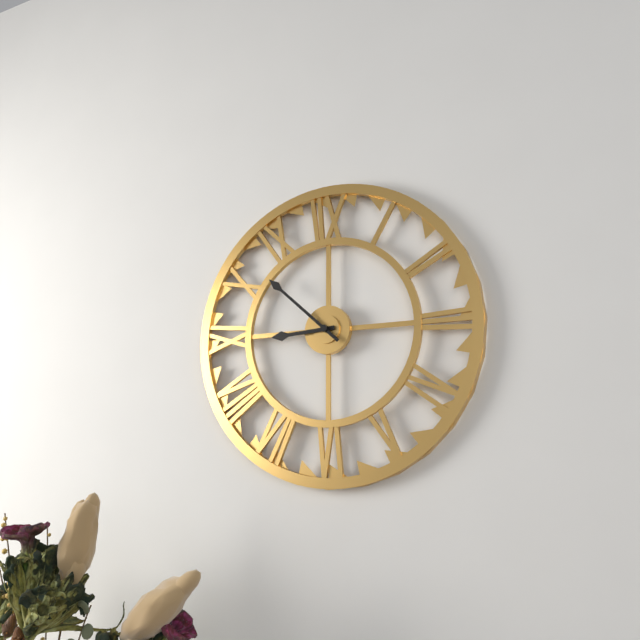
8:52
